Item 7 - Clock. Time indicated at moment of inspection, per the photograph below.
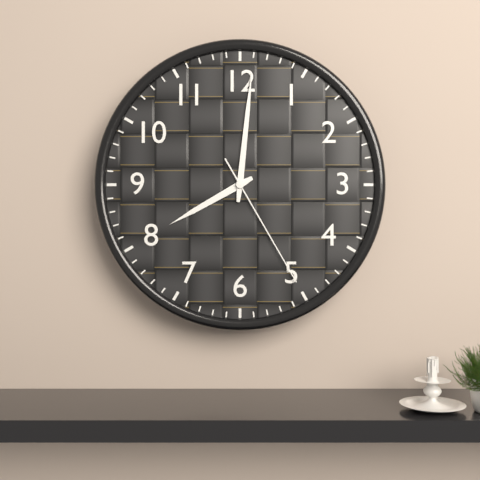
8:01:25
